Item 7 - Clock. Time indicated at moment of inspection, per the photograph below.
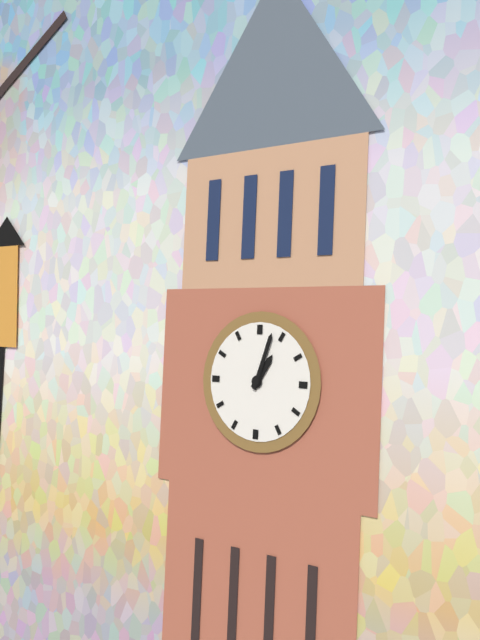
1:03
